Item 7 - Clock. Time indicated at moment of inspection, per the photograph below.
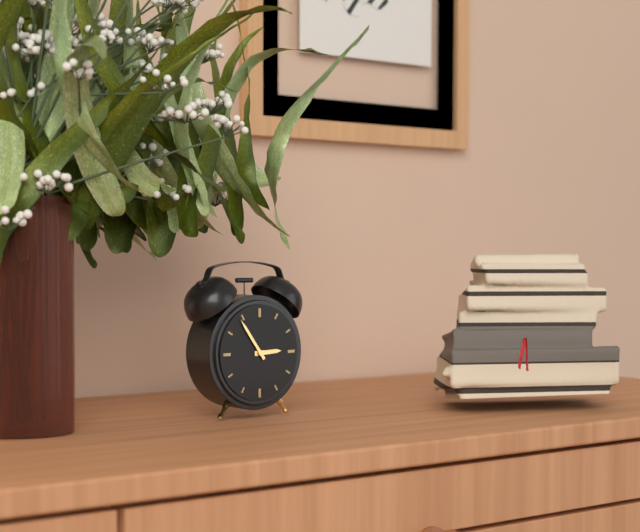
2:54
